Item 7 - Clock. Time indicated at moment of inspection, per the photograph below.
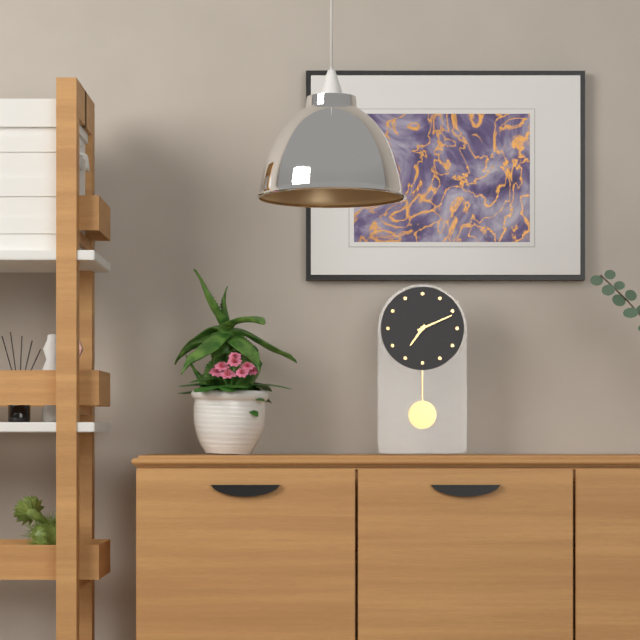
7:11
